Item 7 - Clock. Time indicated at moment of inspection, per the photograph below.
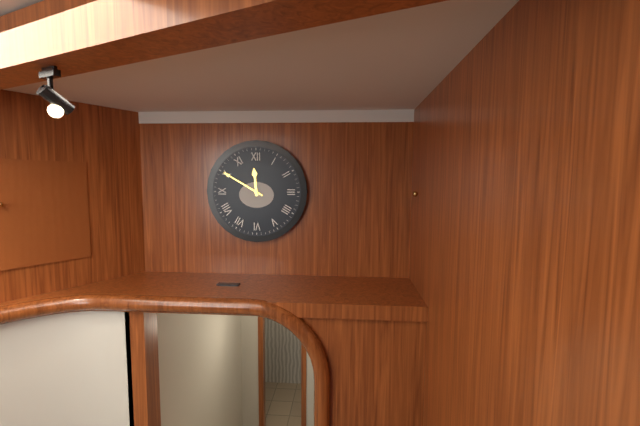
11:50
